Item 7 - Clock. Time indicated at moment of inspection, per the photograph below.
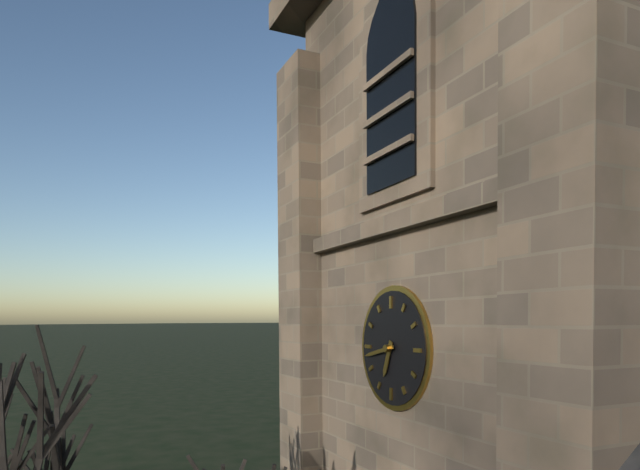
6:43
